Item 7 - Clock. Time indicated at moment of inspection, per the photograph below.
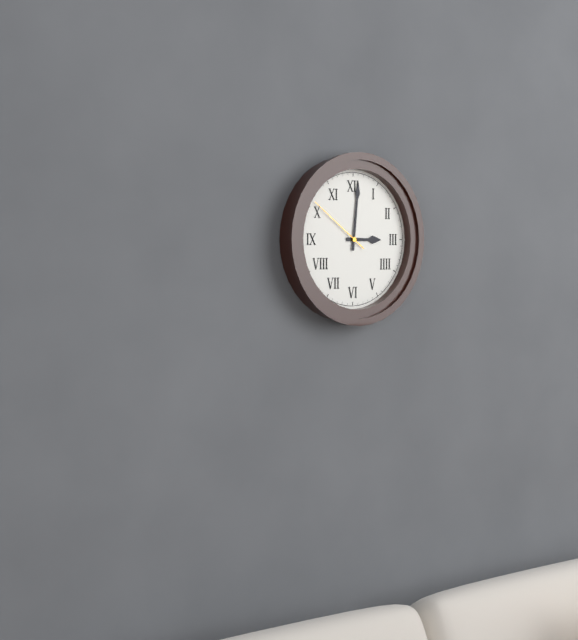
3:01:51
